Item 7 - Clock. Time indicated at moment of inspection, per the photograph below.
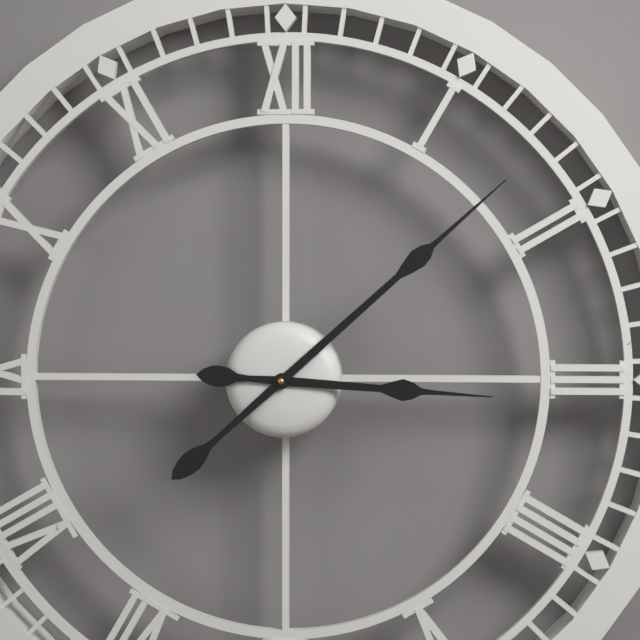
3:08
